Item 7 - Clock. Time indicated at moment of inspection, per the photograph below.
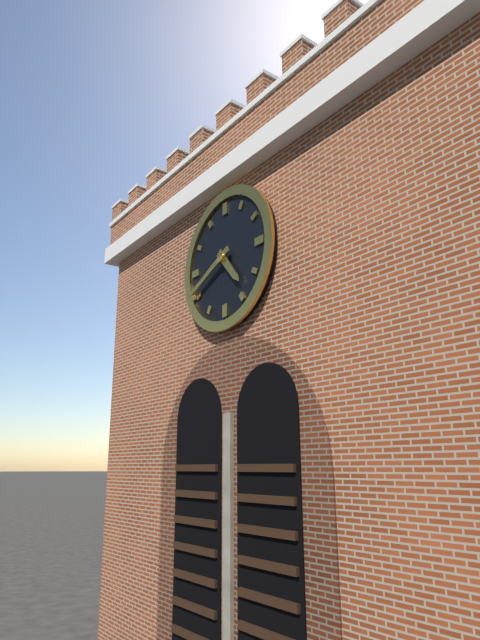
4:41
